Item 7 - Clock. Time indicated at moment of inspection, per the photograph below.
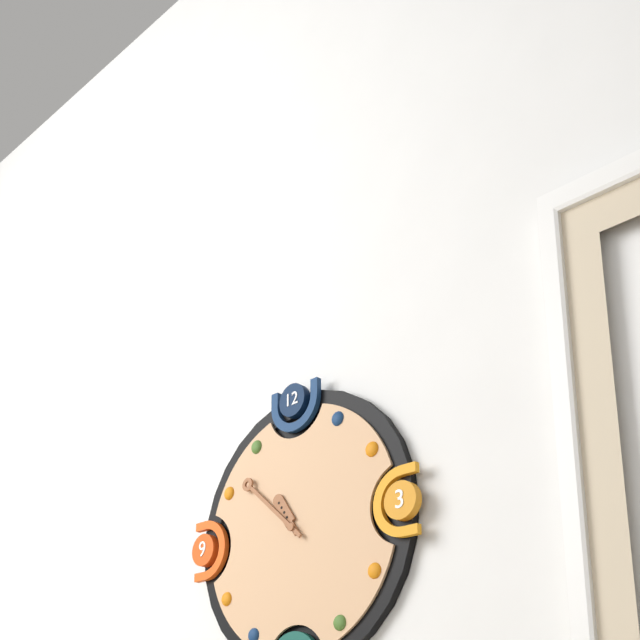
10:52
